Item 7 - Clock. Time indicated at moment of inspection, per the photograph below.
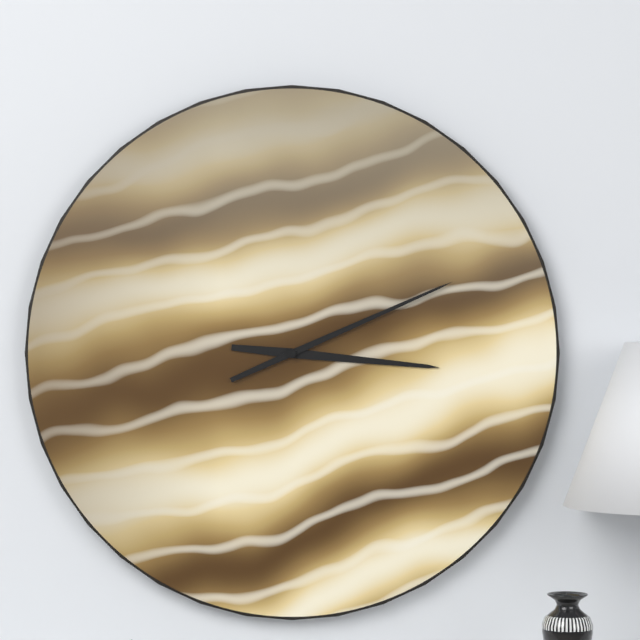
3:11
